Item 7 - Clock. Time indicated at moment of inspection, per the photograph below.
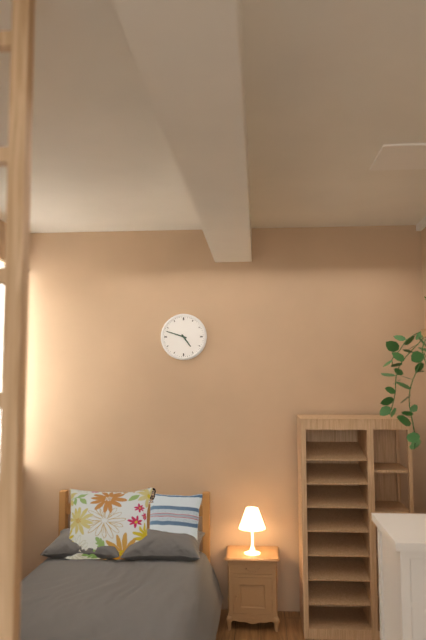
4:48
